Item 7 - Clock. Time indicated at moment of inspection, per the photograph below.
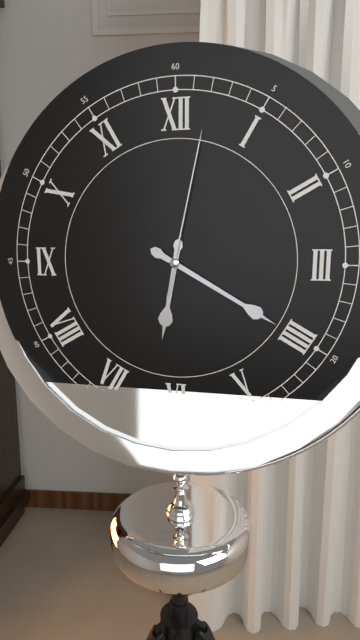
6:20:02
